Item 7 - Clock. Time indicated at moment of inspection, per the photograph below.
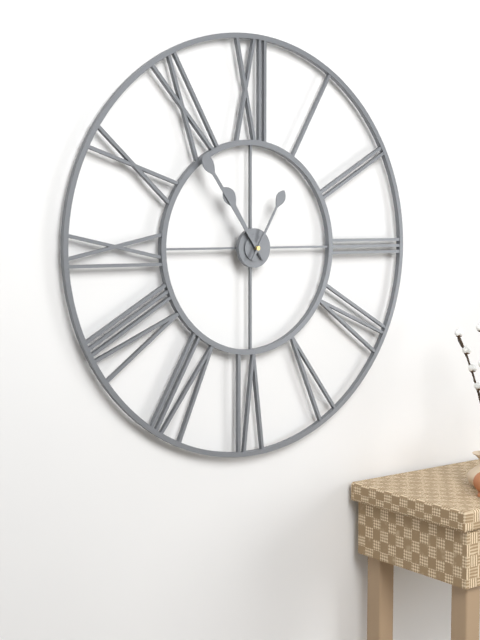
10:54:05
